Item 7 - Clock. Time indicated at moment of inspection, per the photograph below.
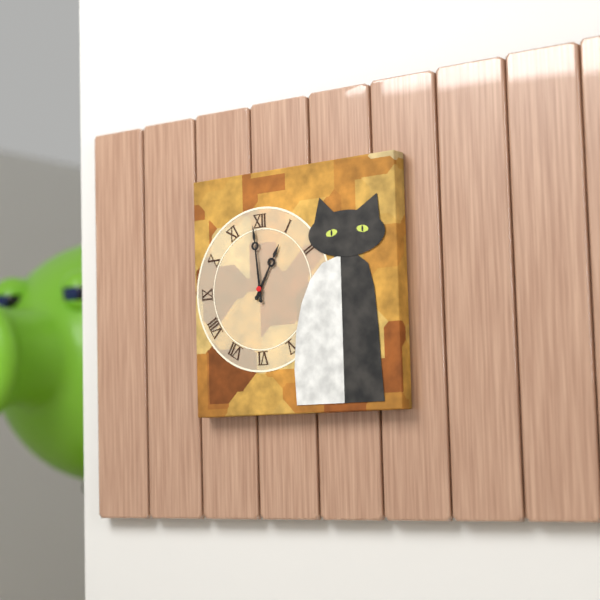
12:59
